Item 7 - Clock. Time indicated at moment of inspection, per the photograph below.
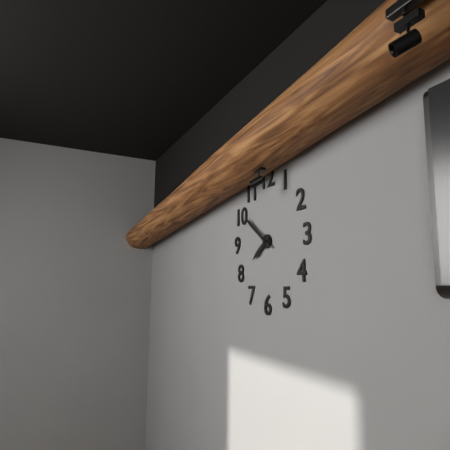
7:51
